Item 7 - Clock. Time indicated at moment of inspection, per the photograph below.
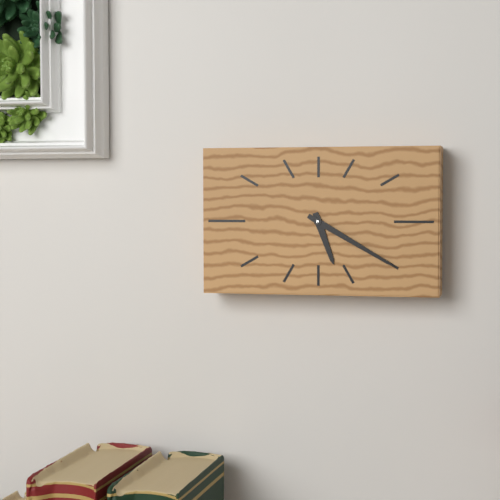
5:20
